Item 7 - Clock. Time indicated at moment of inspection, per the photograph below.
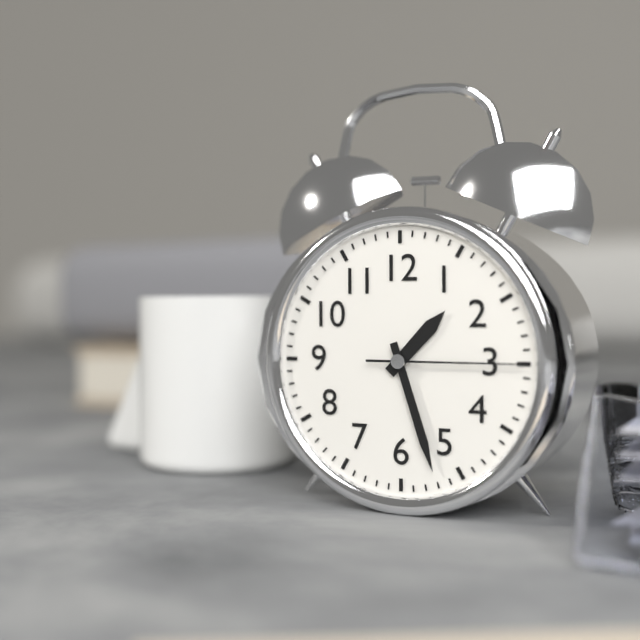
1:27:15
